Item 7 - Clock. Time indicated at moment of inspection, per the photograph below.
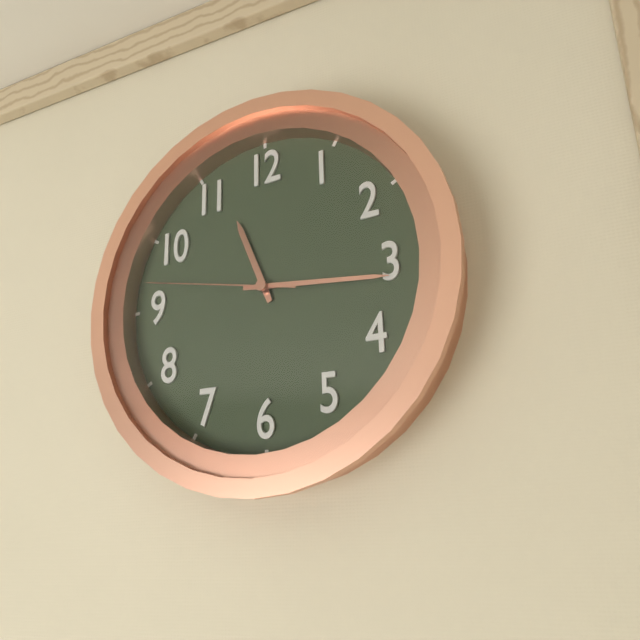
11:16:47
